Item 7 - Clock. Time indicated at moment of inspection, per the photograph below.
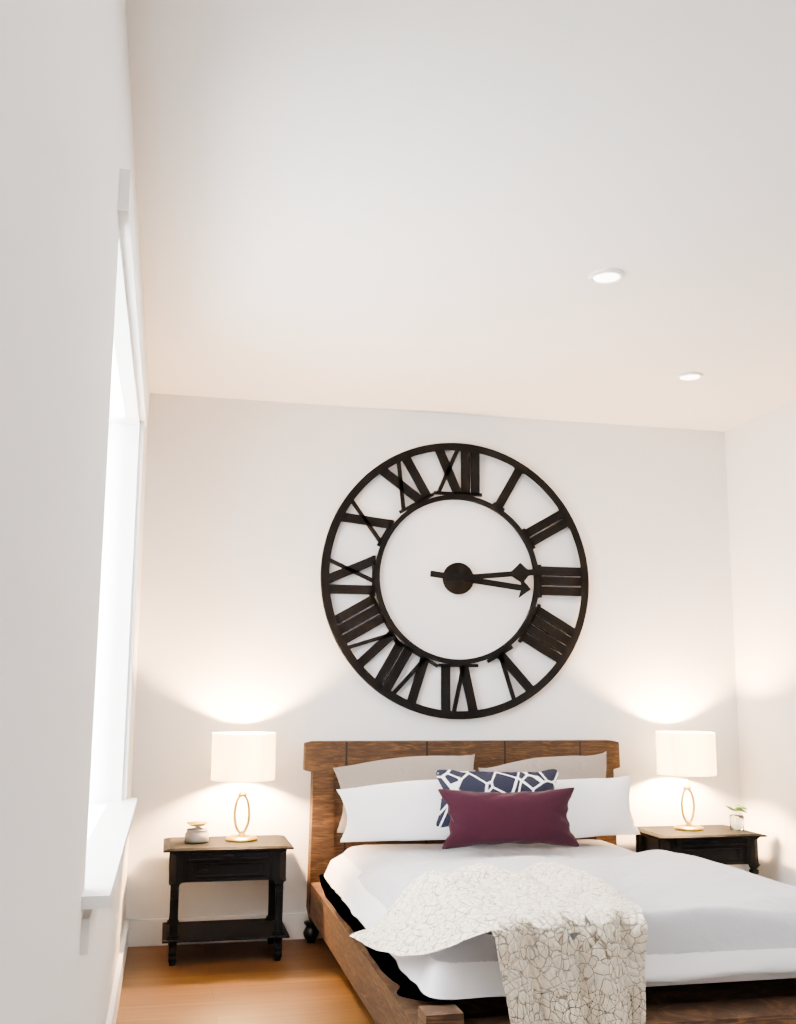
3:14
